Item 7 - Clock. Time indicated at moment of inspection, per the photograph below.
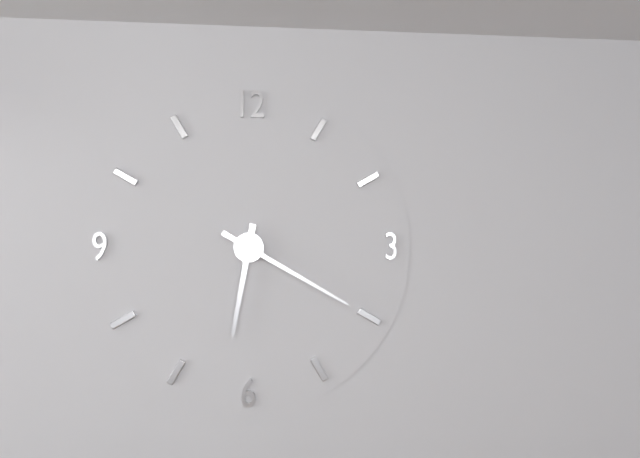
6:20
